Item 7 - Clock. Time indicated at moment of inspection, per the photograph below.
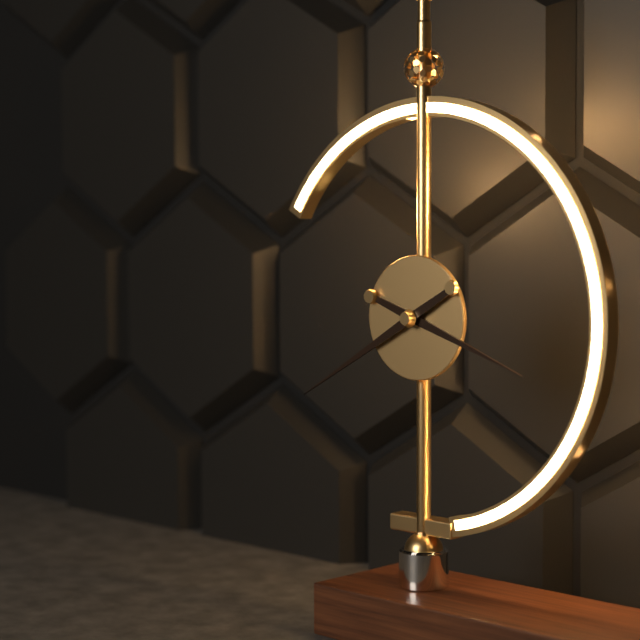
3:40
